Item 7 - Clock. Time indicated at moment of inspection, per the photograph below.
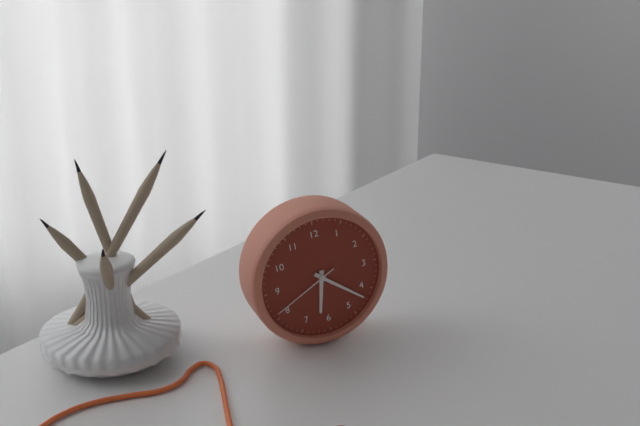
6:22:41
